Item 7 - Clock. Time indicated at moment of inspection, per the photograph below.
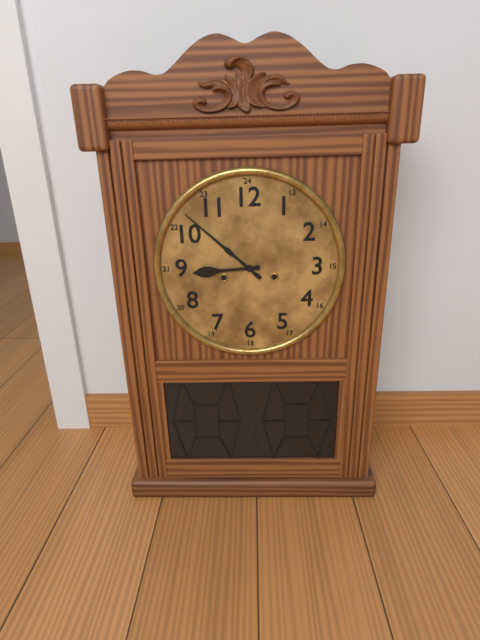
8:52
